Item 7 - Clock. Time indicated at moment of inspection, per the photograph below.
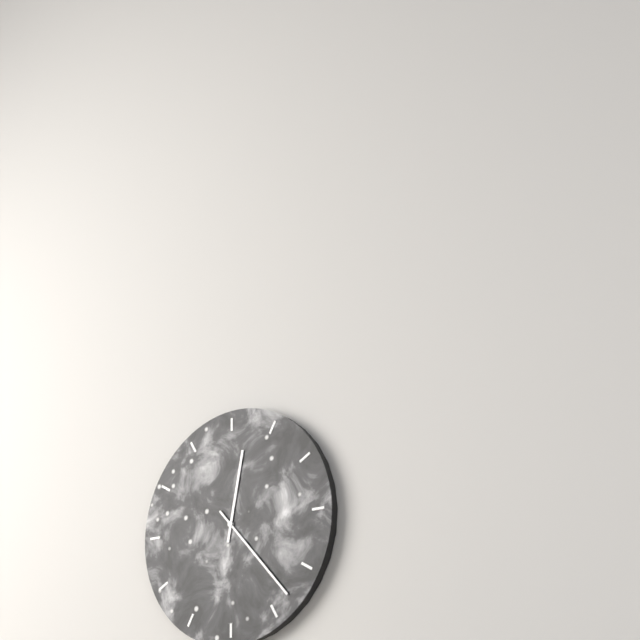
12:23
